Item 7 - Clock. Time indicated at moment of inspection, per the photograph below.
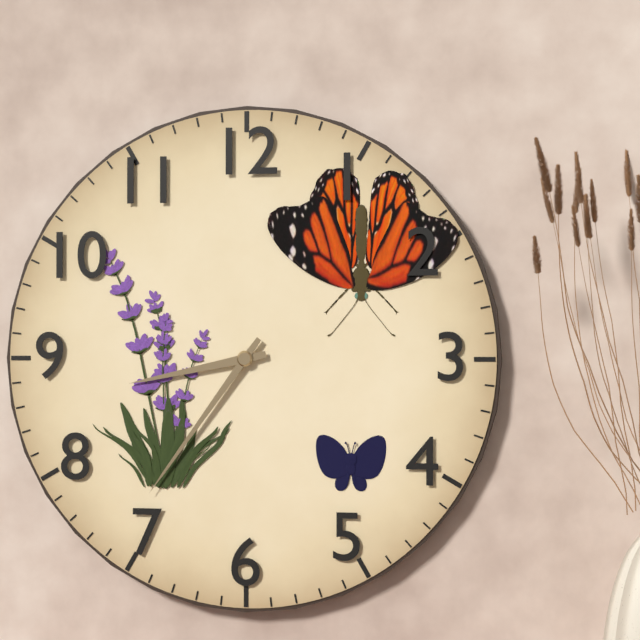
8:36
